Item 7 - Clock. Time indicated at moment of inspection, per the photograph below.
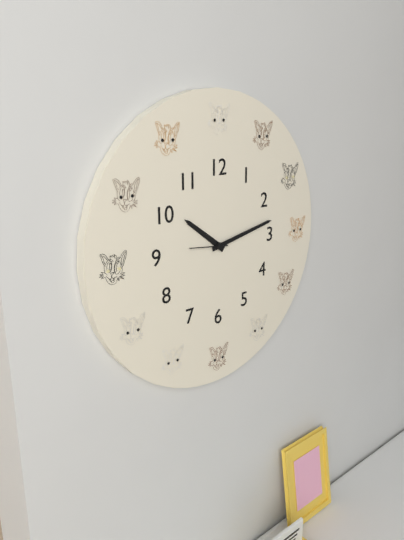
10:13
